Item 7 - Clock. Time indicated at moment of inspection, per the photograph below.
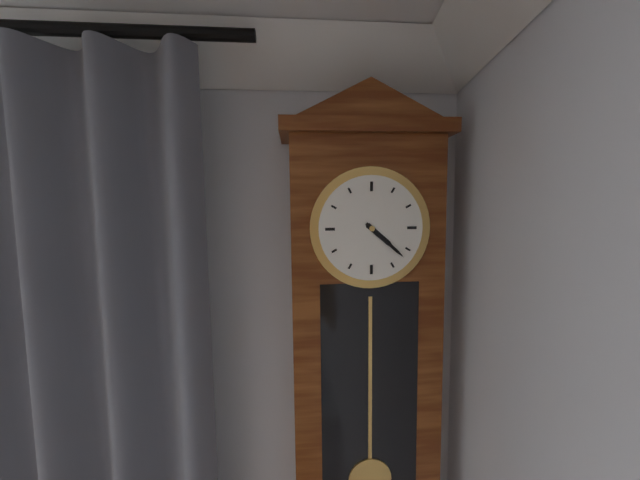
4:22
